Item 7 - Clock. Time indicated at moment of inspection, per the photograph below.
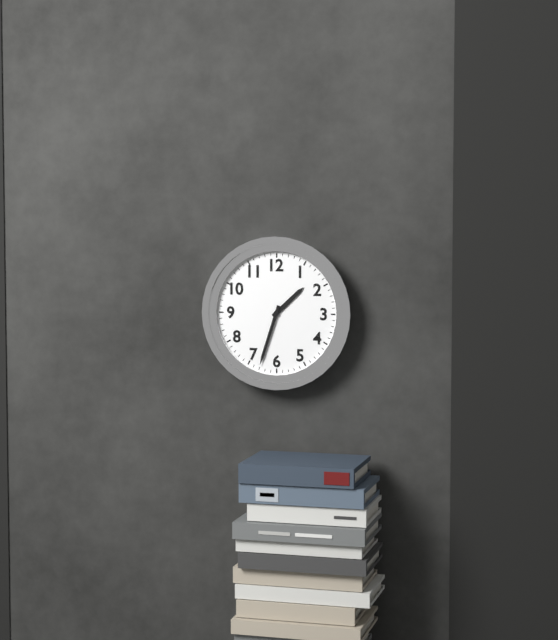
1:33
